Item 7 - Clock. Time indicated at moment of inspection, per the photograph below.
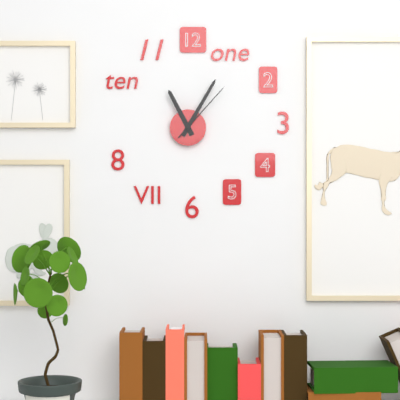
11:05:07
